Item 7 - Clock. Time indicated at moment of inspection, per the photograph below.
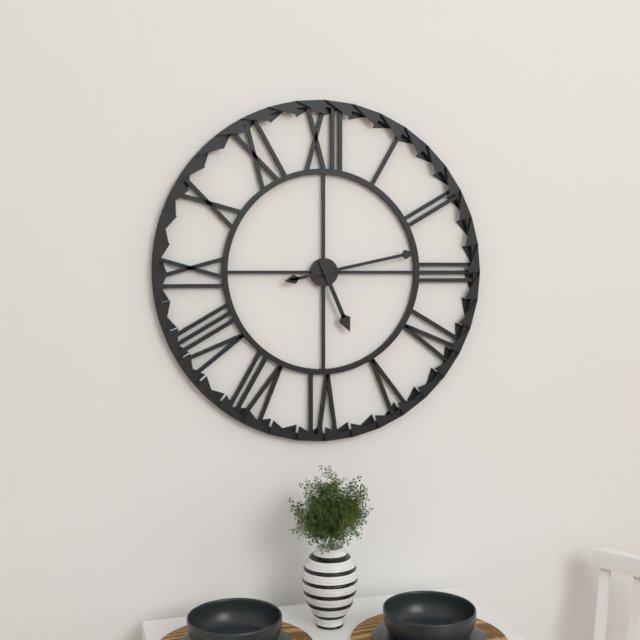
5:13
